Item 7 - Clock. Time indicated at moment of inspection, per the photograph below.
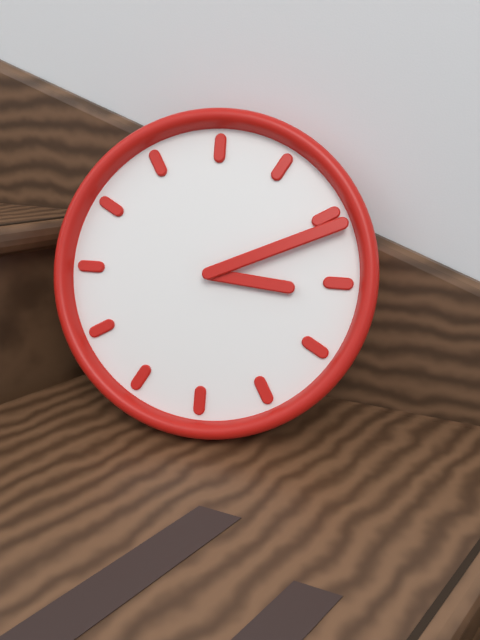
3:11
